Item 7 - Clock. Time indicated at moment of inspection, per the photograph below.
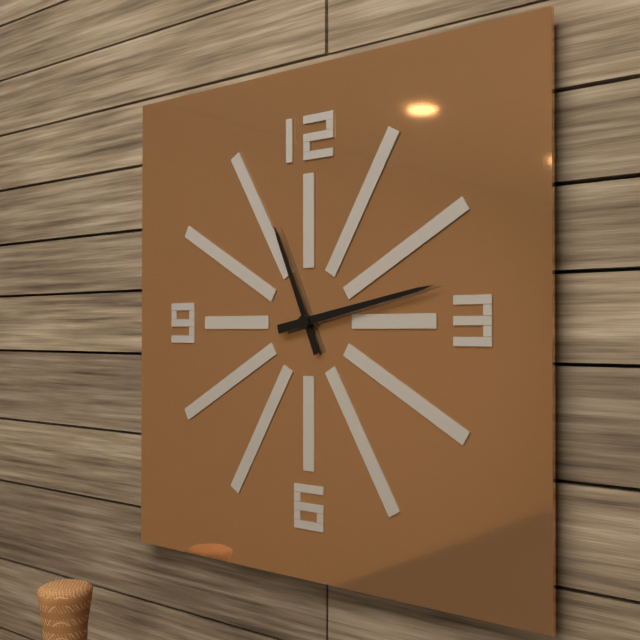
11:13
